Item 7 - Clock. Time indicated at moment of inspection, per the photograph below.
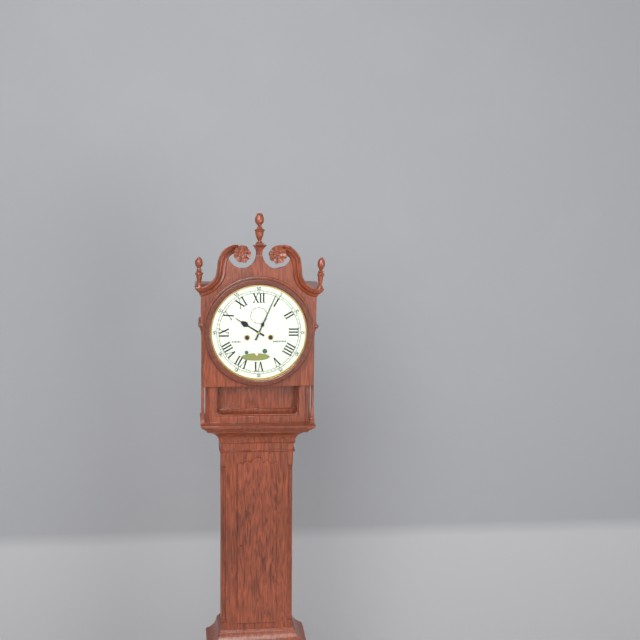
10:04
